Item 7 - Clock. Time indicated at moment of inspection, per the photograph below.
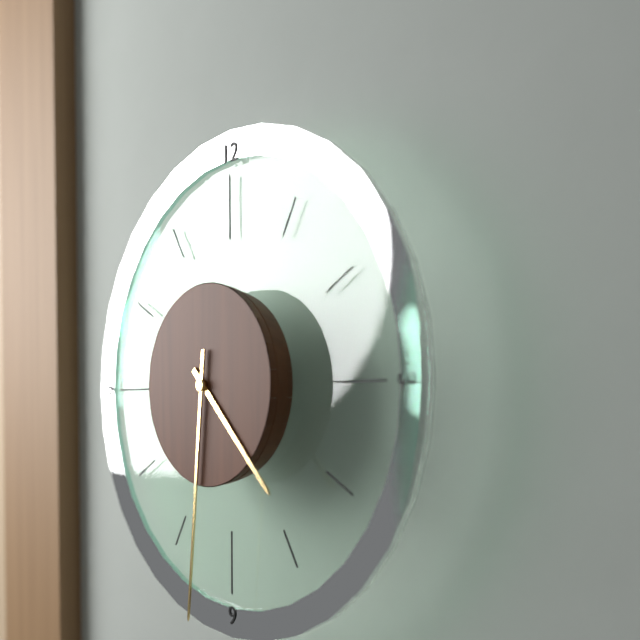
4:31
